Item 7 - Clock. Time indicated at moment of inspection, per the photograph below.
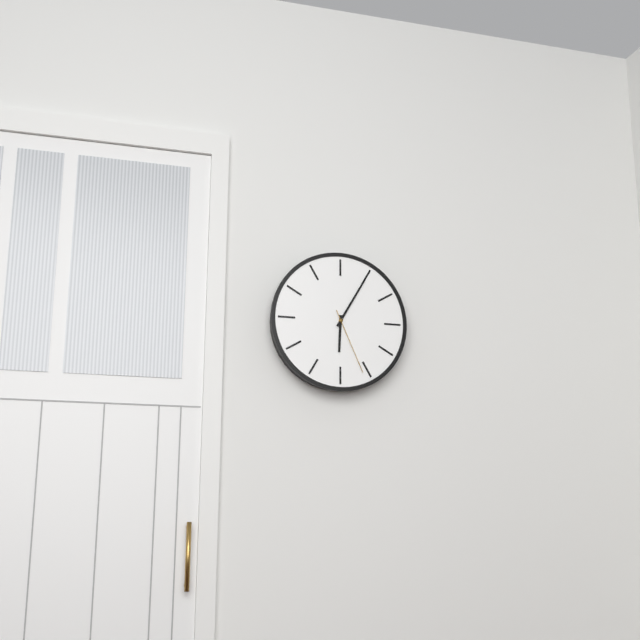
6:05:26
